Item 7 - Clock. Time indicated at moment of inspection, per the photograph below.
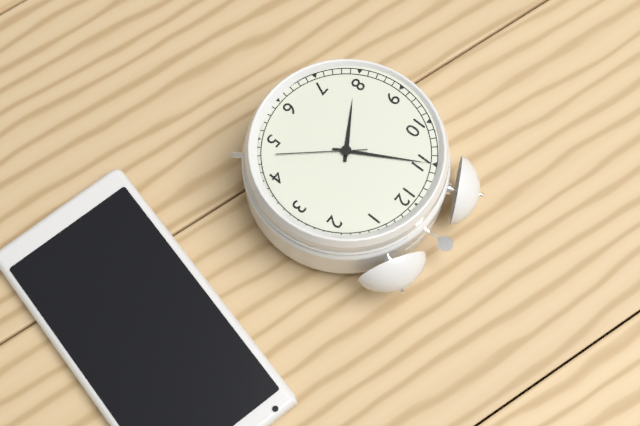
7:55:23
